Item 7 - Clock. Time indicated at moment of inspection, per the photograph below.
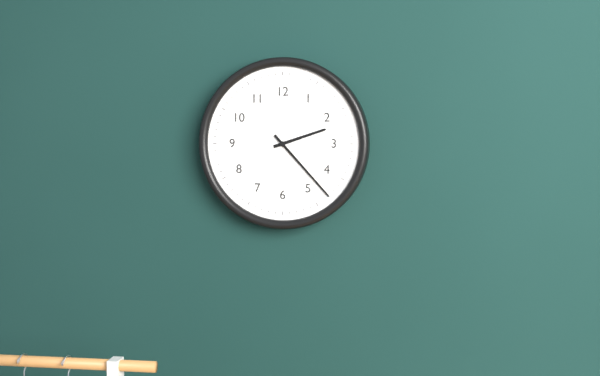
2:23
